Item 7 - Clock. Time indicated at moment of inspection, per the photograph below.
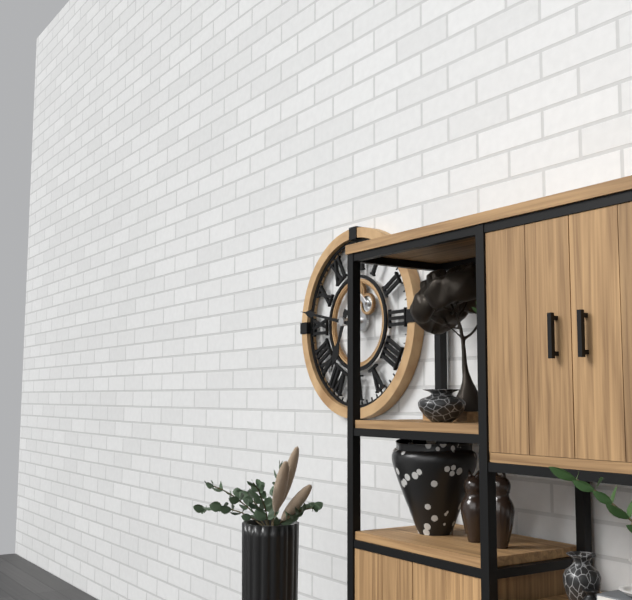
6:47
